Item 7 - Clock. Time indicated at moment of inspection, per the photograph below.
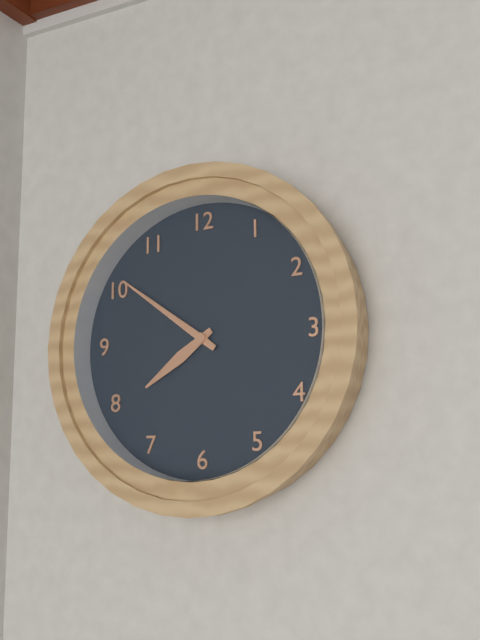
7:51
